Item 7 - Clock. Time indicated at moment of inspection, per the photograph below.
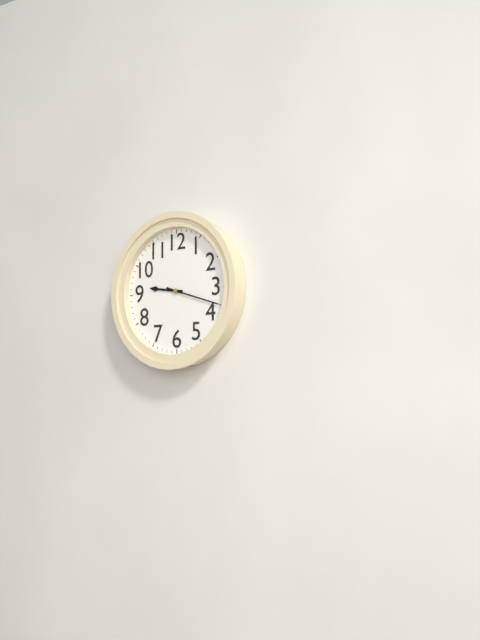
9:18
